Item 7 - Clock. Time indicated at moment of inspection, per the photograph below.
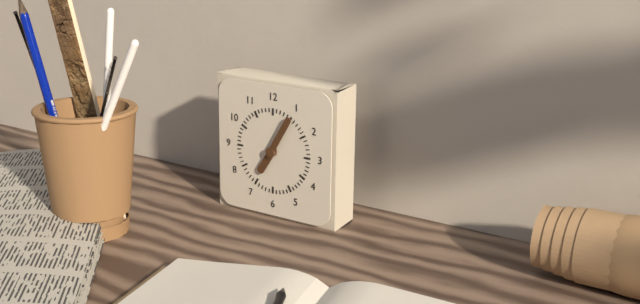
7:05
